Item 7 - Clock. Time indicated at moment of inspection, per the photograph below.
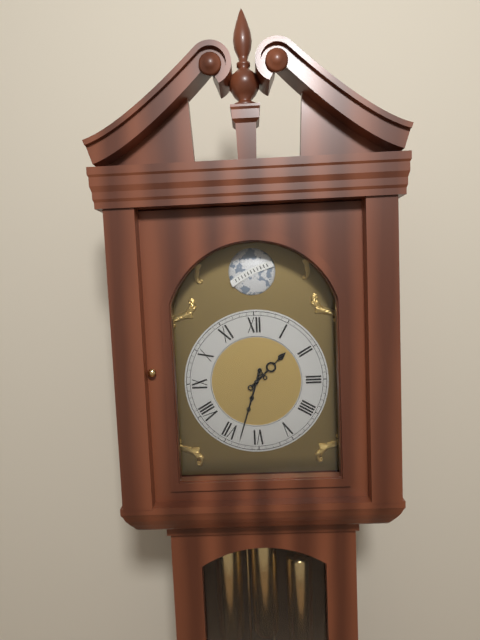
1:33
